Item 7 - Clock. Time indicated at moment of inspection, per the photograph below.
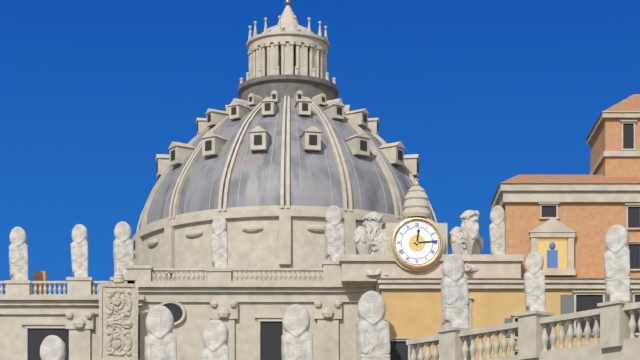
12:14
